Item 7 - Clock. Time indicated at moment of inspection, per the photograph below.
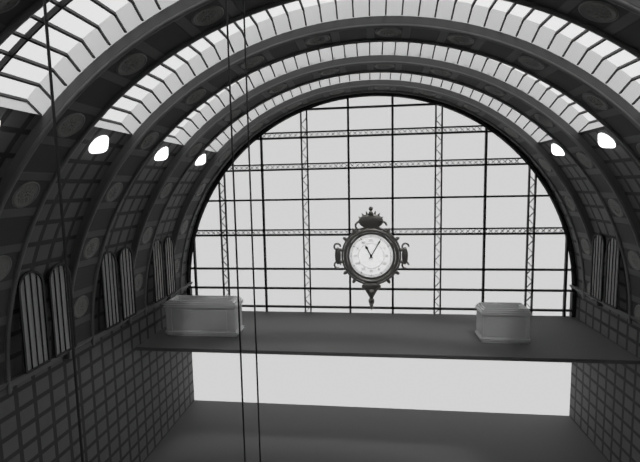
11:05
